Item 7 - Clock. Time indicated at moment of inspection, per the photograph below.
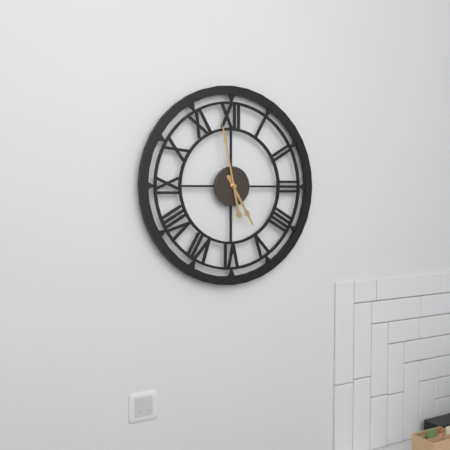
4:58
